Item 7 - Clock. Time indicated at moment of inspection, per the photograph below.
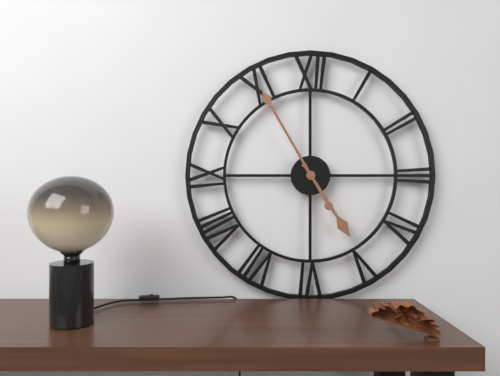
4:55
